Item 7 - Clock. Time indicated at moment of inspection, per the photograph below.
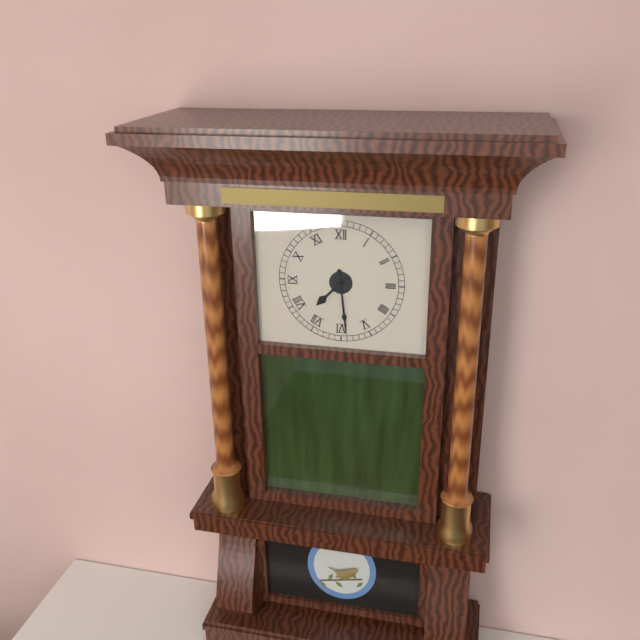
7:29
